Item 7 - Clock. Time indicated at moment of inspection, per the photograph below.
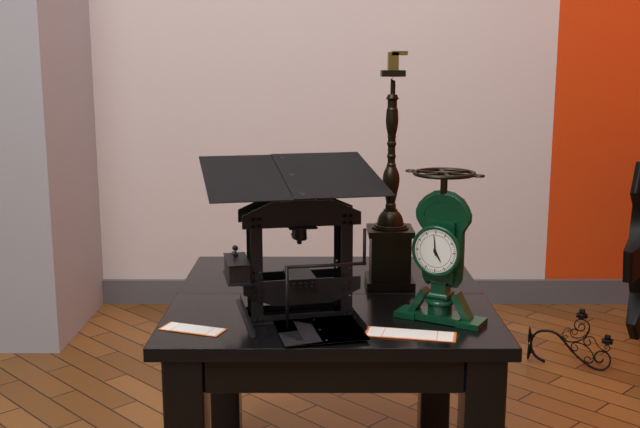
4:59
